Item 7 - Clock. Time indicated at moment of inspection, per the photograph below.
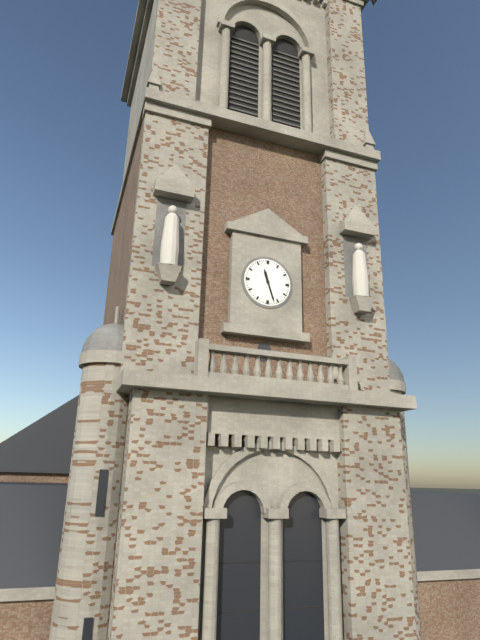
11:27
